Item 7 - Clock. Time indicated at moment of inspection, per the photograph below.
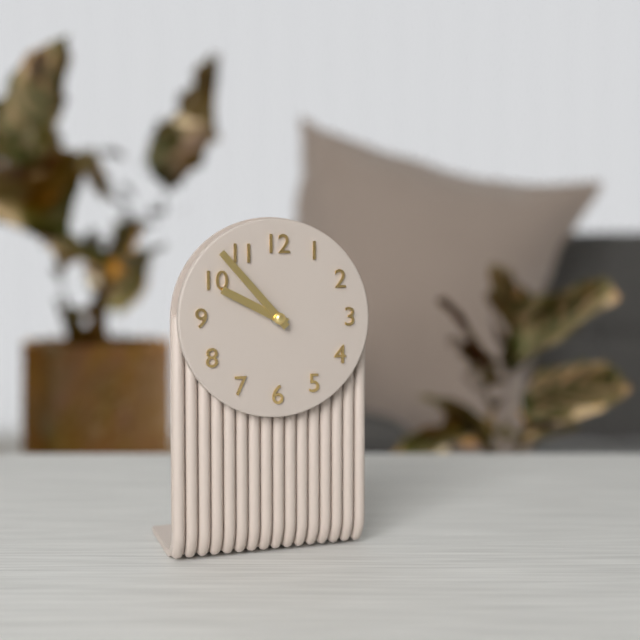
9:53
